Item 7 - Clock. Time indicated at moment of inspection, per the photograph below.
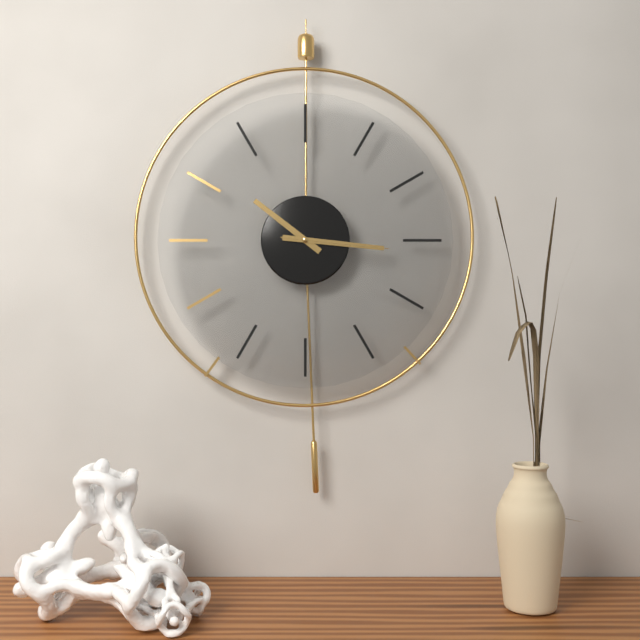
10:16:16
